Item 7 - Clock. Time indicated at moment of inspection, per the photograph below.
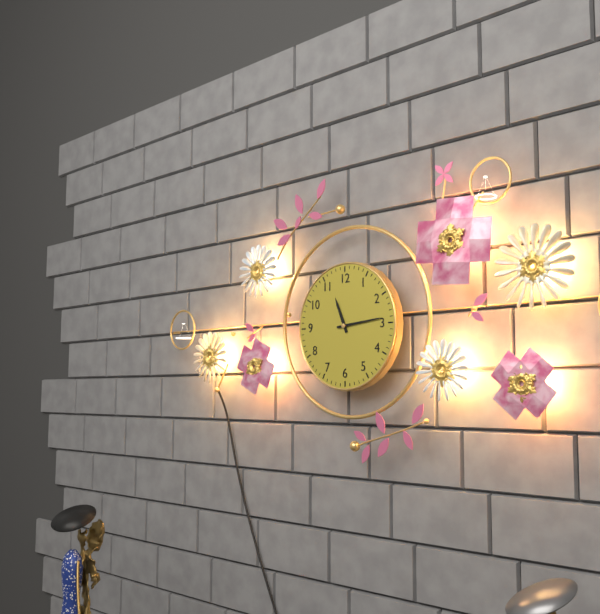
11:14
